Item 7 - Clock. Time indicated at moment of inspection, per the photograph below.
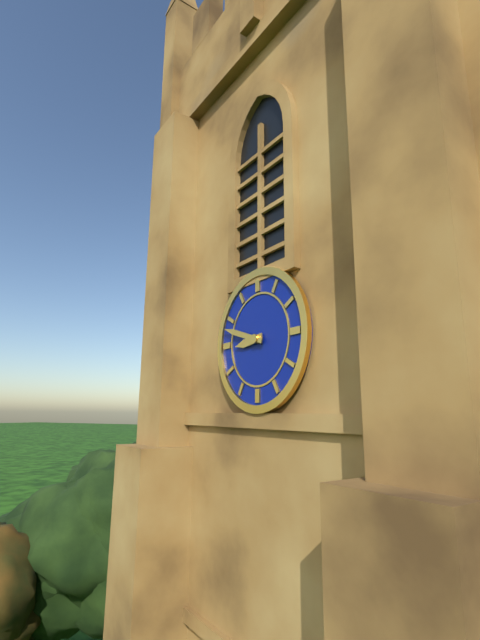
8:48
